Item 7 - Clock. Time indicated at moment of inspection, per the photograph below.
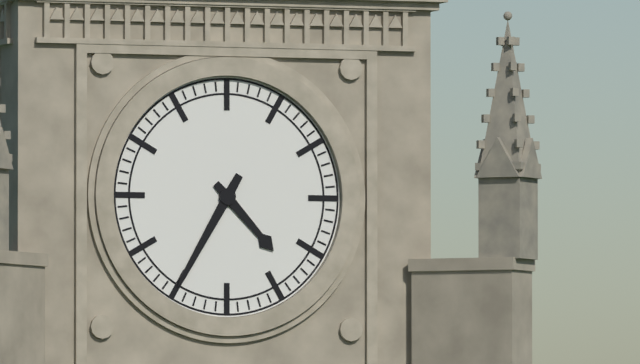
4:35
